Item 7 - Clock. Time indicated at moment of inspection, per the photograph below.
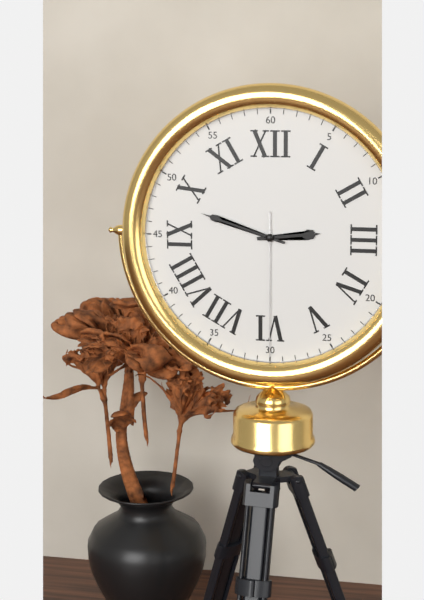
2:48:30
